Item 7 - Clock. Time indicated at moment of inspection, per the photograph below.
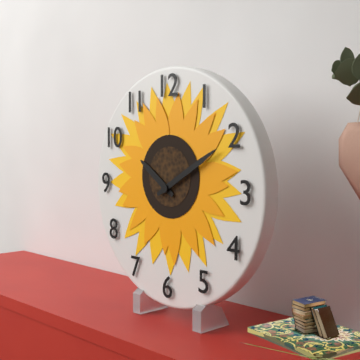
10:10
